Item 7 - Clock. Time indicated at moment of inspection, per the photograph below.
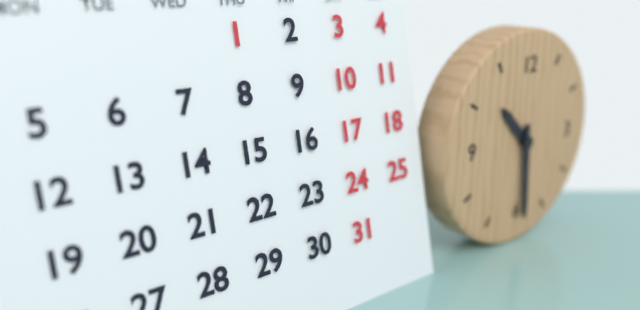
10:29
